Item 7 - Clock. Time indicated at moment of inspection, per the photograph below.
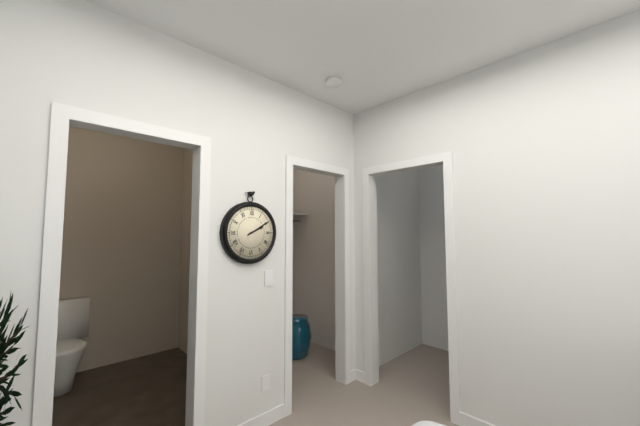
2:10
